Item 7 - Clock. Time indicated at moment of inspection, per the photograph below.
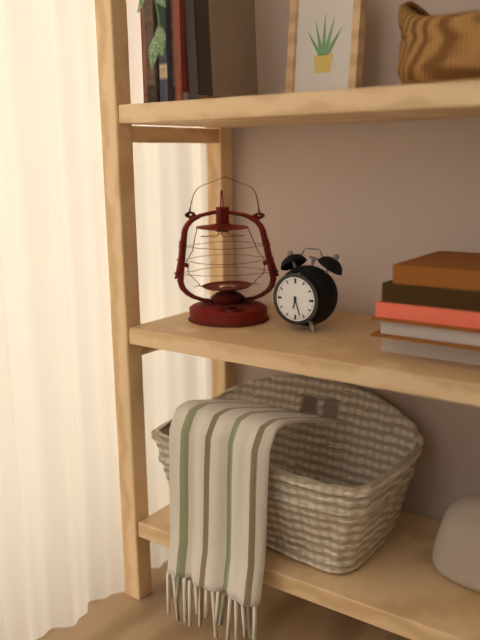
6:27
